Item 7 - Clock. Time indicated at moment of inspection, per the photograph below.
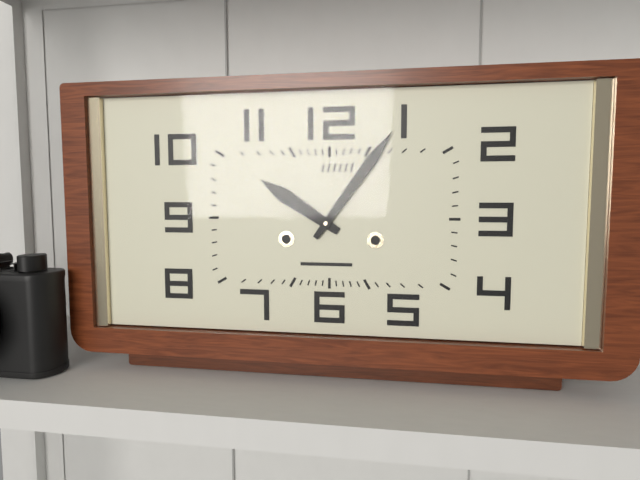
10:06
